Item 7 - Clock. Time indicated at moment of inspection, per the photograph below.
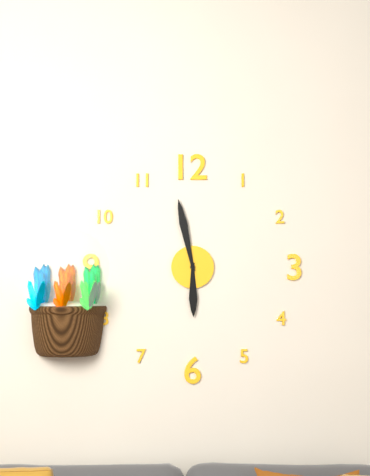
5:58
